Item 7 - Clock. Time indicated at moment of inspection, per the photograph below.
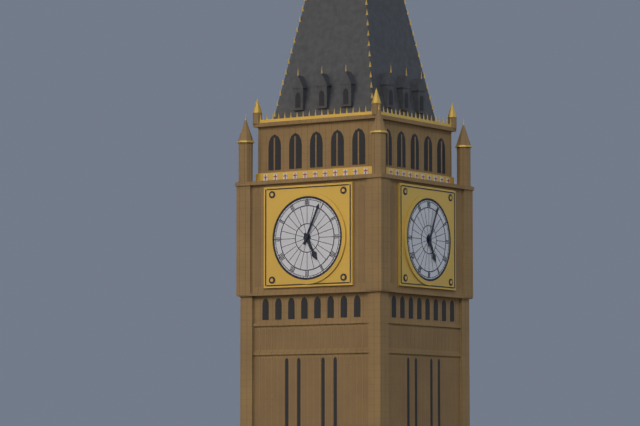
5:04
